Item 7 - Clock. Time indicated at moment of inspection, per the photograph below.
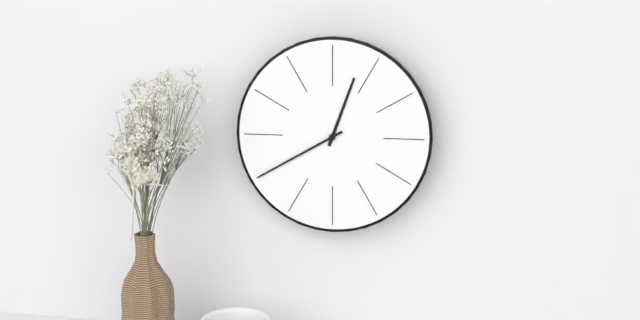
12:40
